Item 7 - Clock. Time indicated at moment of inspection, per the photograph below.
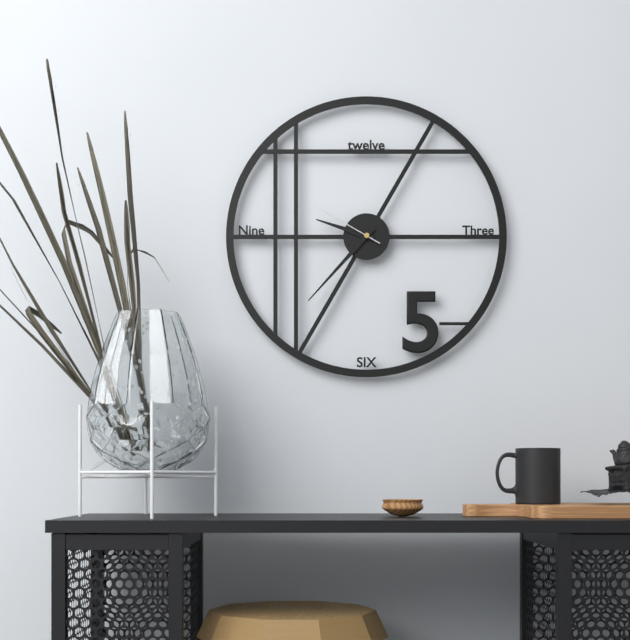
9:37:50
